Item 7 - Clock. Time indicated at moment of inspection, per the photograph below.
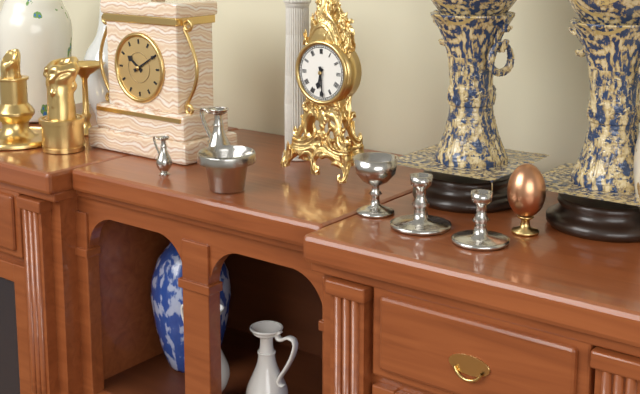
6:29
